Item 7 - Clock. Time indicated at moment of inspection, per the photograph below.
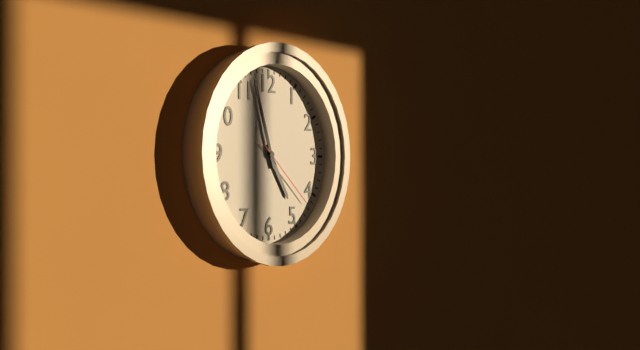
4:57:22
